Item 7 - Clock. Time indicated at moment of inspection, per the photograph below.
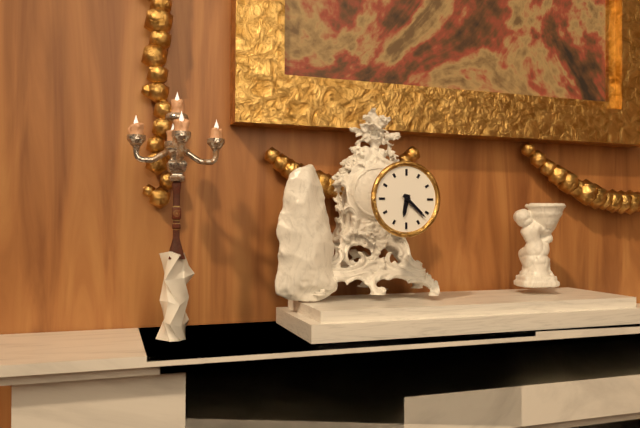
6:22
